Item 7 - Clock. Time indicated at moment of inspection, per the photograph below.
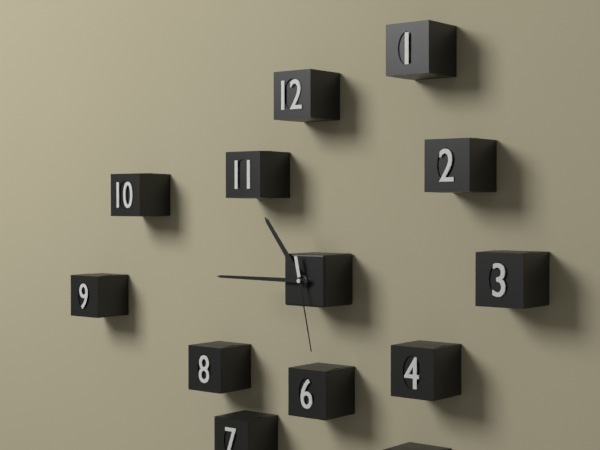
10:45:28
